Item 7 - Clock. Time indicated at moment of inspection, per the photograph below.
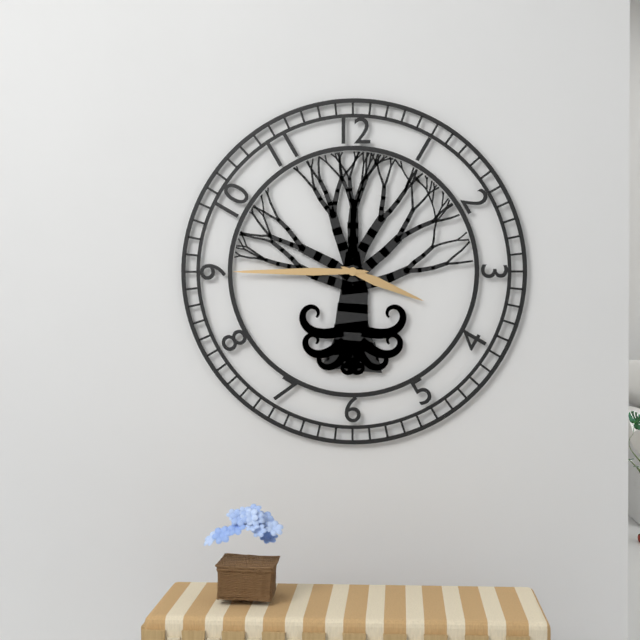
3:45
